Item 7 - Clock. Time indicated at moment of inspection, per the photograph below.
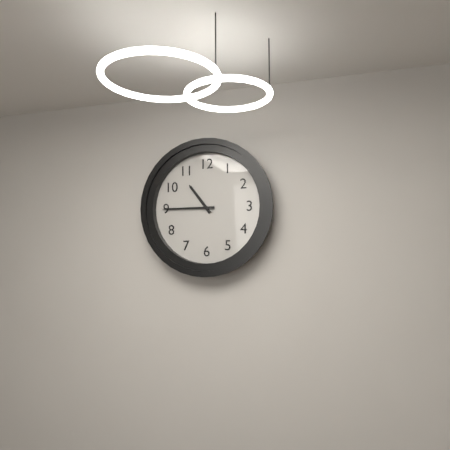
10:45
